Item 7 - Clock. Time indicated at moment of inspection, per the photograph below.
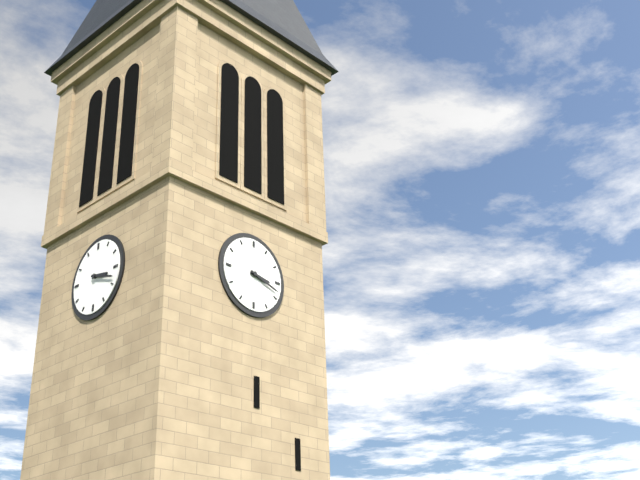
3:18
